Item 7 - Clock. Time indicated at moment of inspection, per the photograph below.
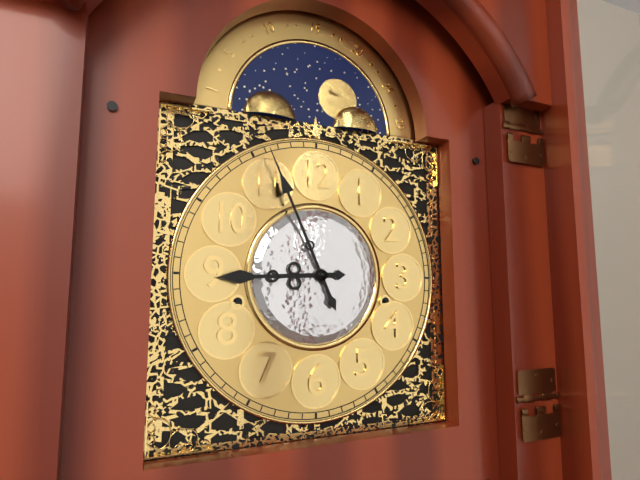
8:56
